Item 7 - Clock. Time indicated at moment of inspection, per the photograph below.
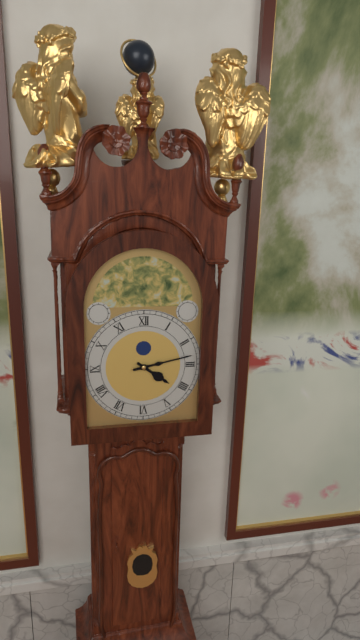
4:13
